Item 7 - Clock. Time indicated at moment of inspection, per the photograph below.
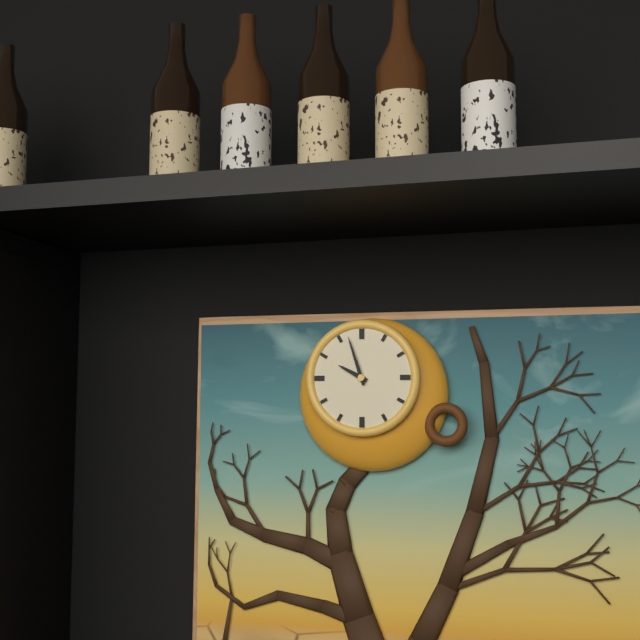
9:57
